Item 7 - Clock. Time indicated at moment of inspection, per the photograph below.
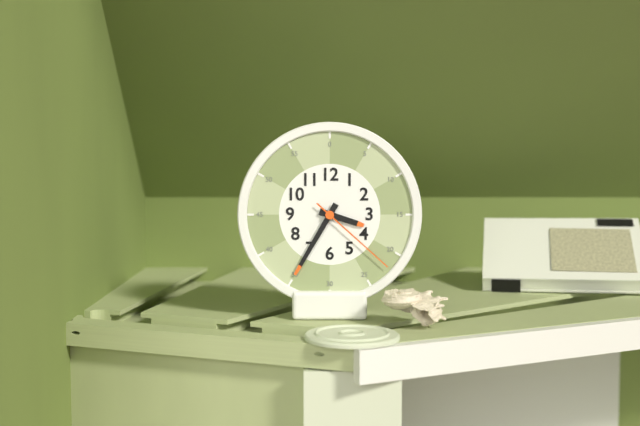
3:35:22
